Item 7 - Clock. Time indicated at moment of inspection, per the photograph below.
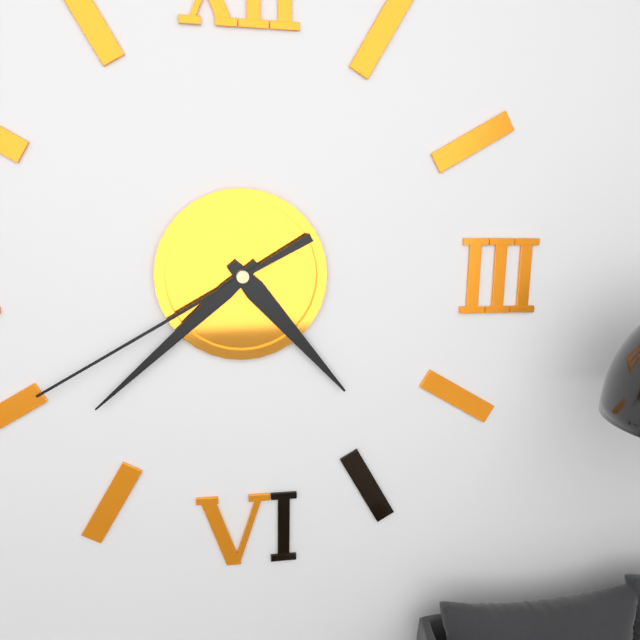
4:38:40
